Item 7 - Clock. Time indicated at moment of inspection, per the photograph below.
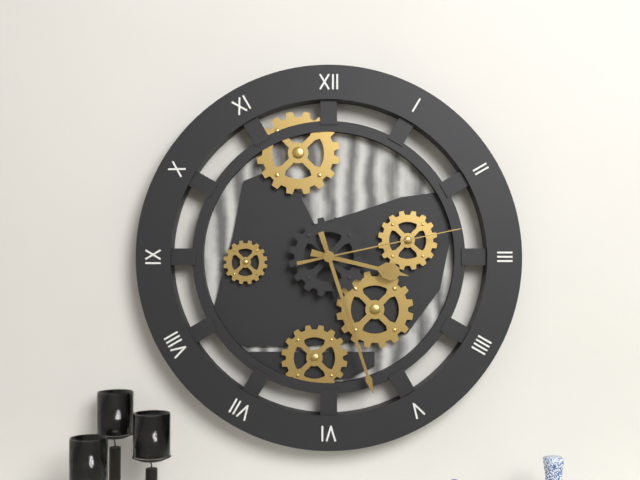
3:27:13
